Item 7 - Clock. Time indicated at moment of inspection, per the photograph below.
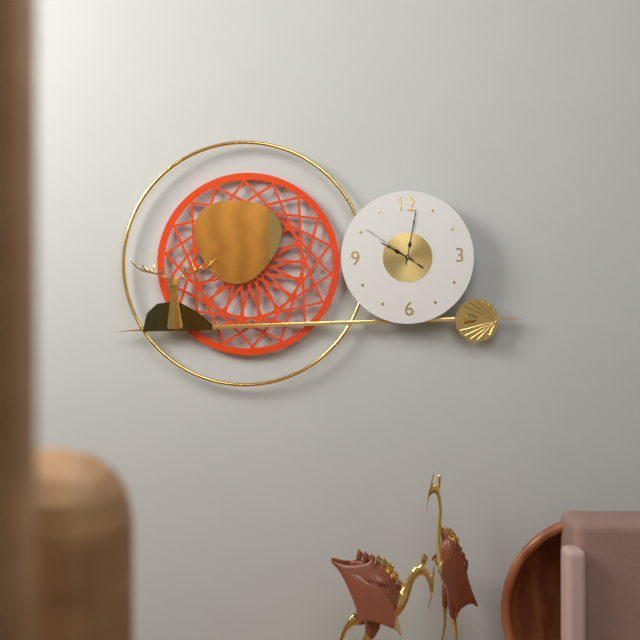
10:02:51
